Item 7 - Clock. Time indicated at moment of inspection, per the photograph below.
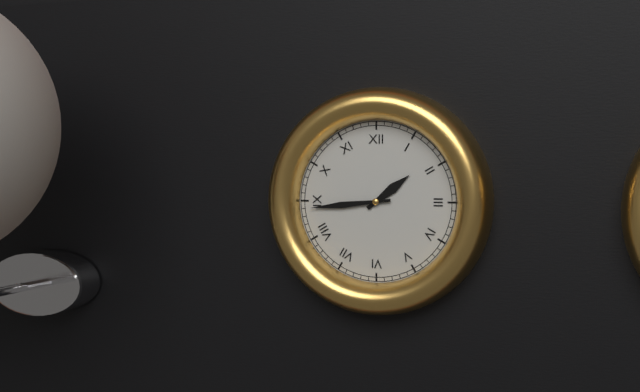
1:44
